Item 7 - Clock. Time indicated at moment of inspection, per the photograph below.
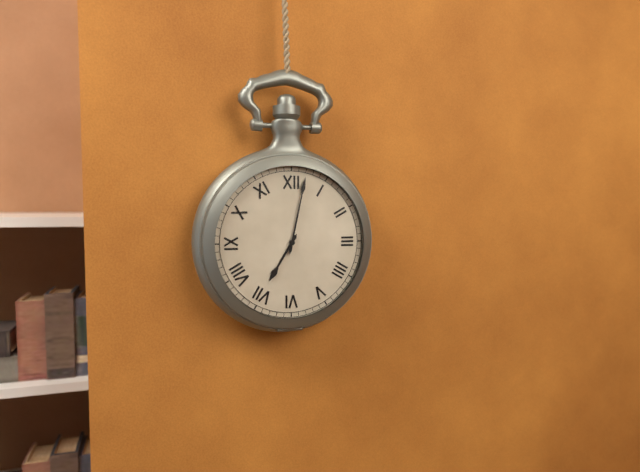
7:02
